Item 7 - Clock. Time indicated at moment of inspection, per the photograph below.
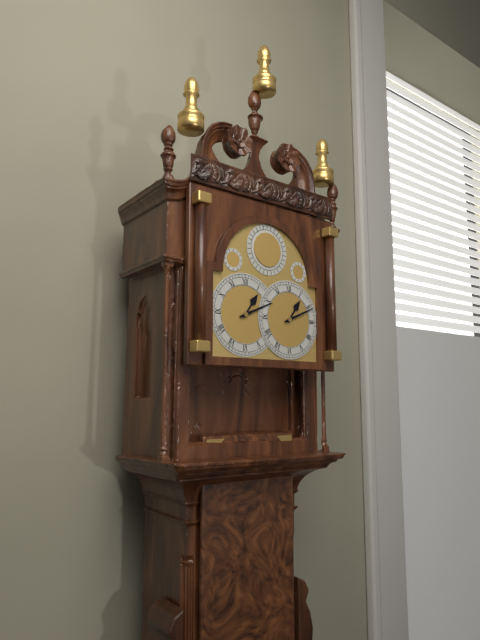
1:11
